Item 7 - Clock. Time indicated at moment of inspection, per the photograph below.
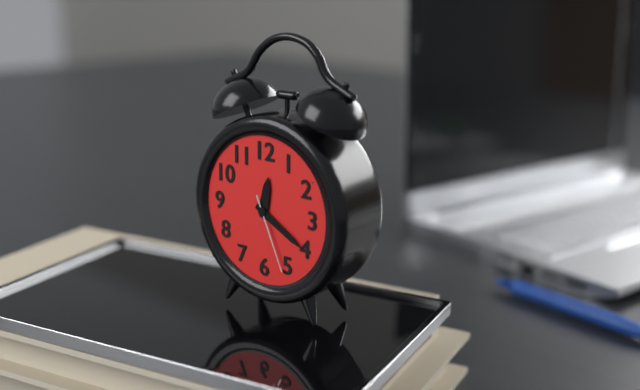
12:20:26
